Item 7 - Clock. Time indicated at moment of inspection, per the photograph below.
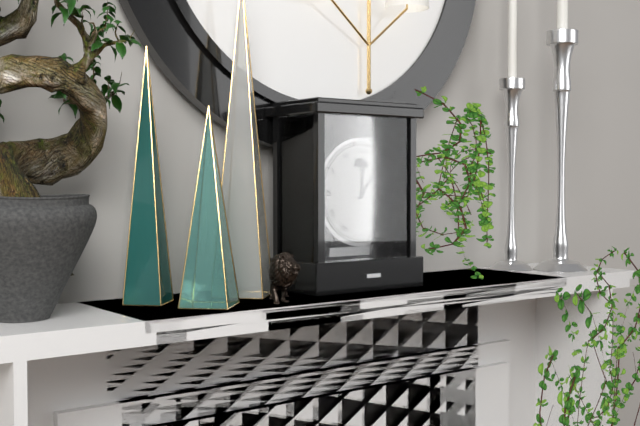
12:07
